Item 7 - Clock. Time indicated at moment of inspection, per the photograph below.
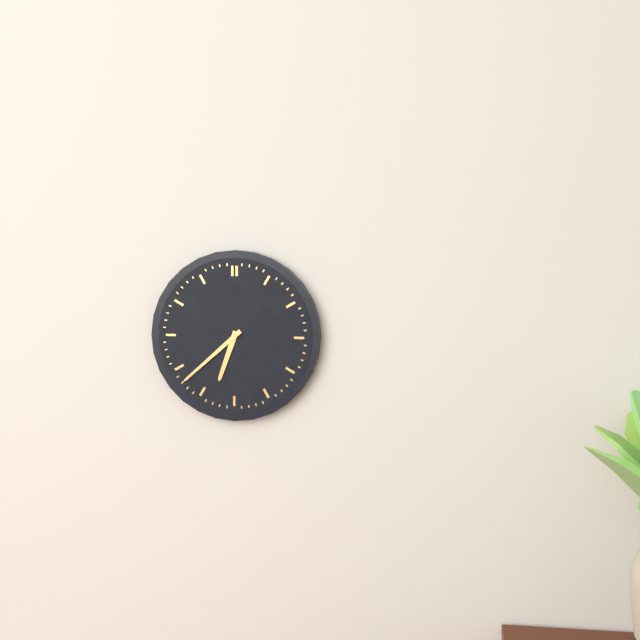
6:38
